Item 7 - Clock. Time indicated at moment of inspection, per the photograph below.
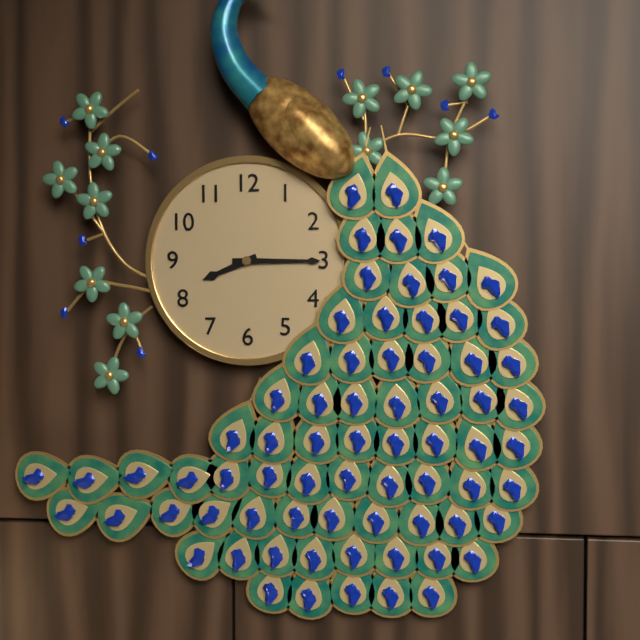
8:15
